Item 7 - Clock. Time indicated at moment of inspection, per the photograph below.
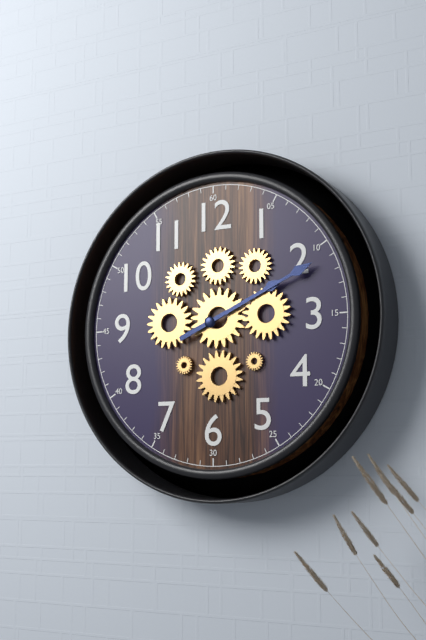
2:11
